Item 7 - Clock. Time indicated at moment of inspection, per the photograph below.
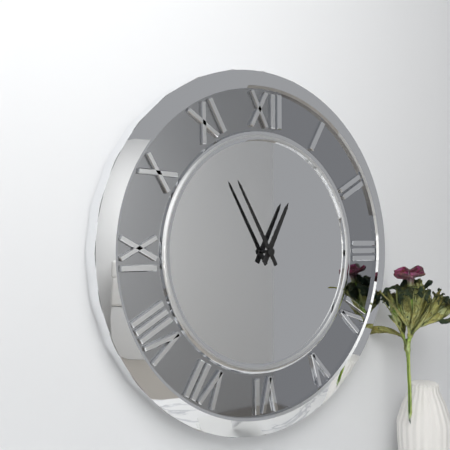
12:55
